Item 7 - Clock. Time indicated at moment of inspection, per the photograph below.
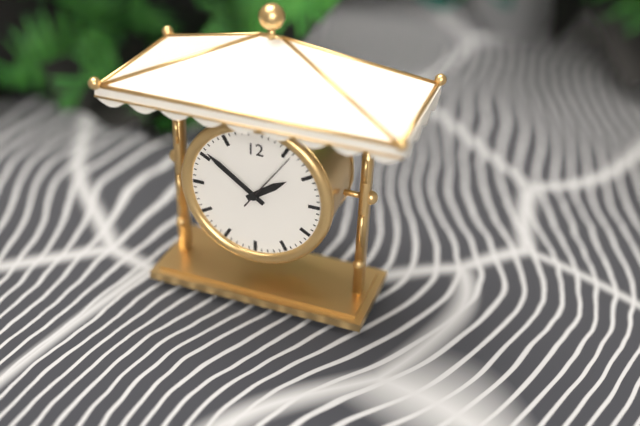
1:51:06
